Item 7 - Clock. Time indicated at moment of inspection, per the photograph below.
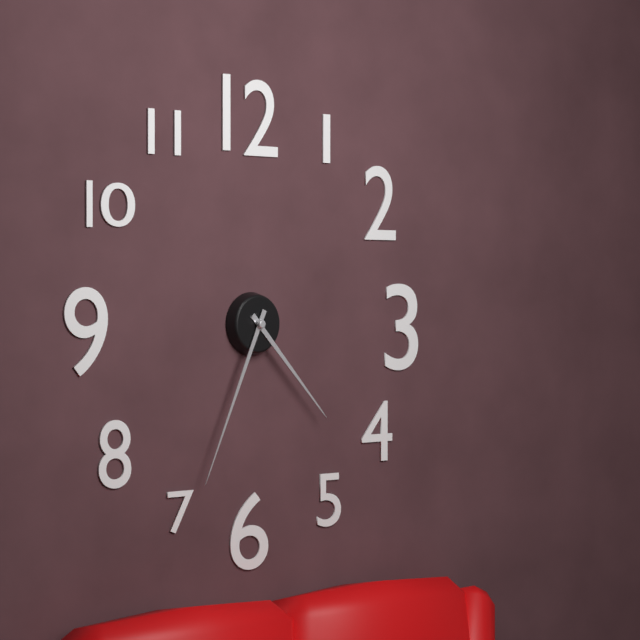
4:34
